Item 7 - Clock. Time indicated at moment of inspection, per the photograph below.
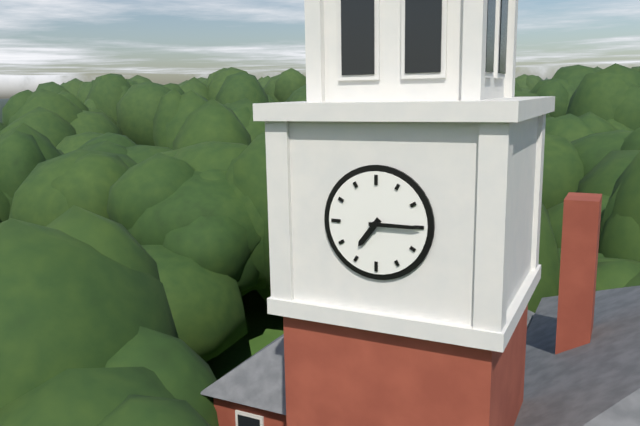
7:15
